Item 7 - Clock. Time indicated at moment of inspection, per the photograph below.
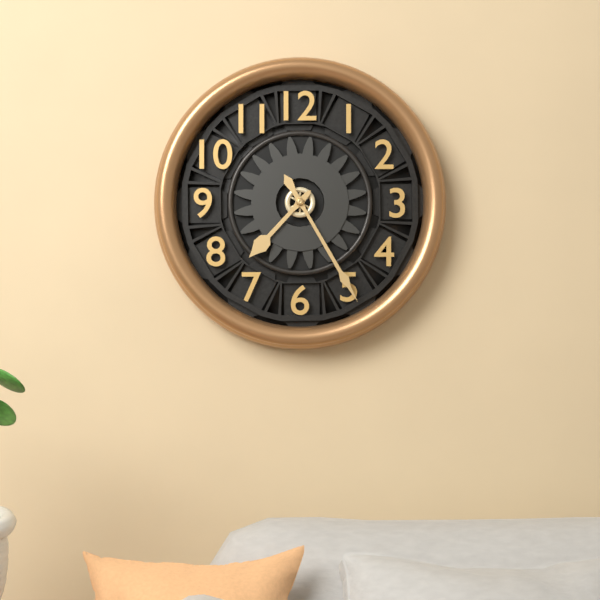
7:25
